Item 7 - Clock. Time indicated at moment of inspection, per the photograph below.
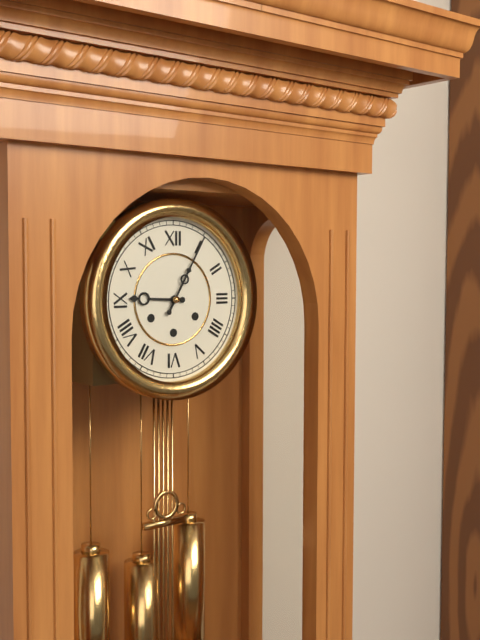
9:05
